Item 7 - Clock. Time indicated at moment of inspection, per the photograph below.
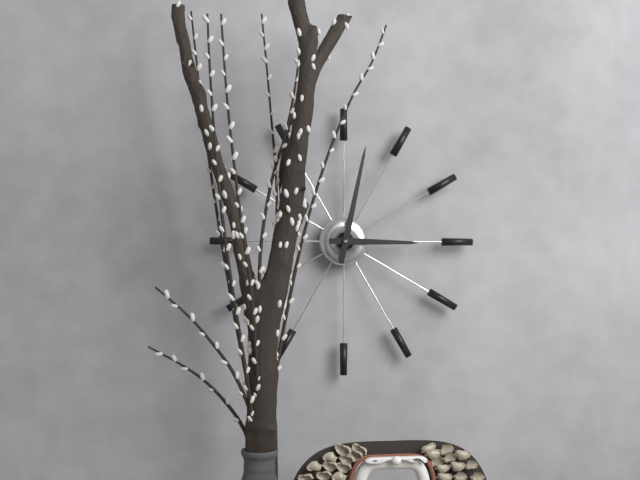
3:02
